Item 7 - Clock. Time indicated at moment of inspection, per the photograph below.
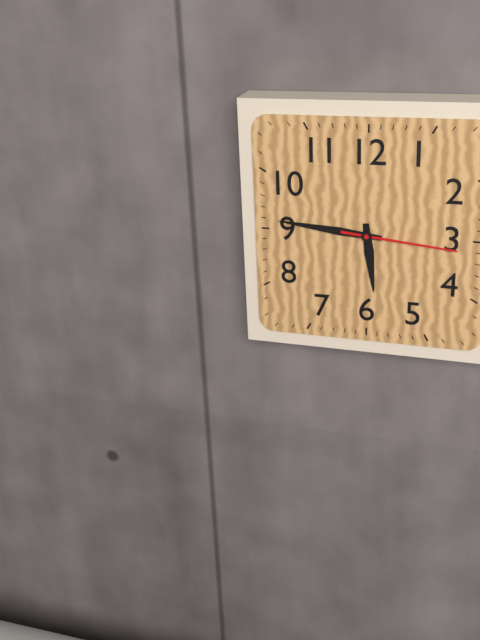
5:46:16
